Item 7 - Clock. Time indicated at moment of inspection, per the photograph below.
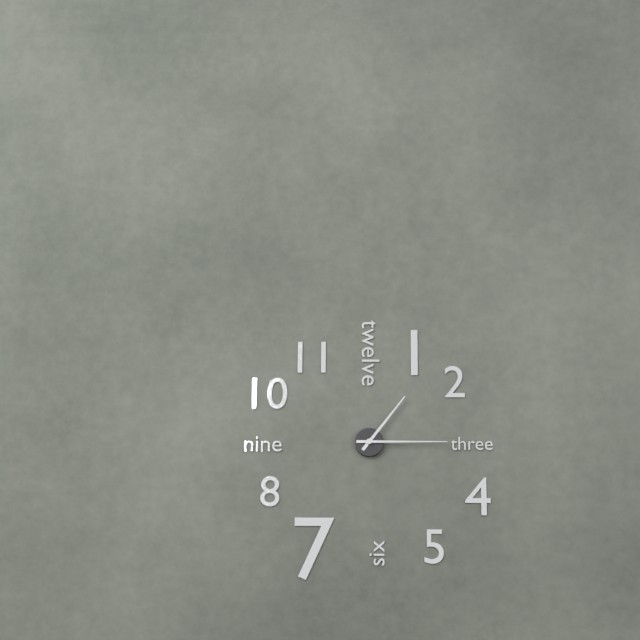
1:15
